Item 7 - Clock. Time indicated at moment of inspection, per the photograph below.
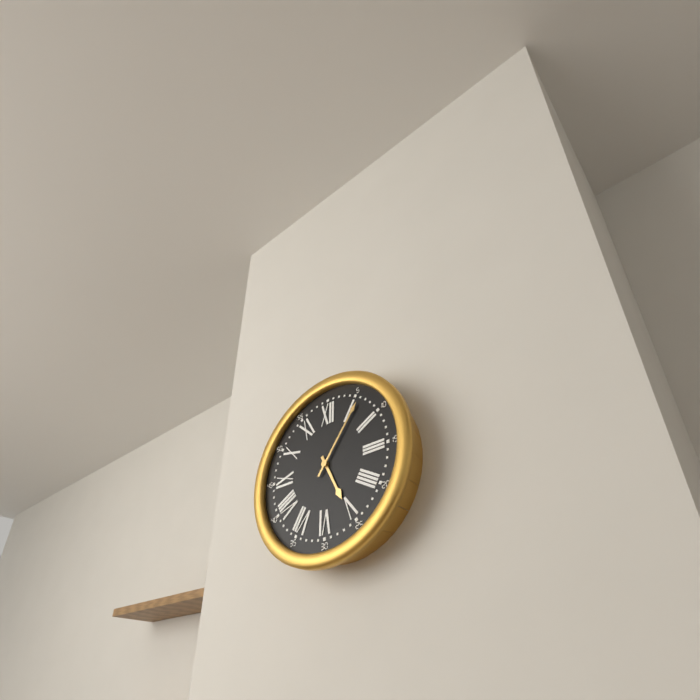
5:06
